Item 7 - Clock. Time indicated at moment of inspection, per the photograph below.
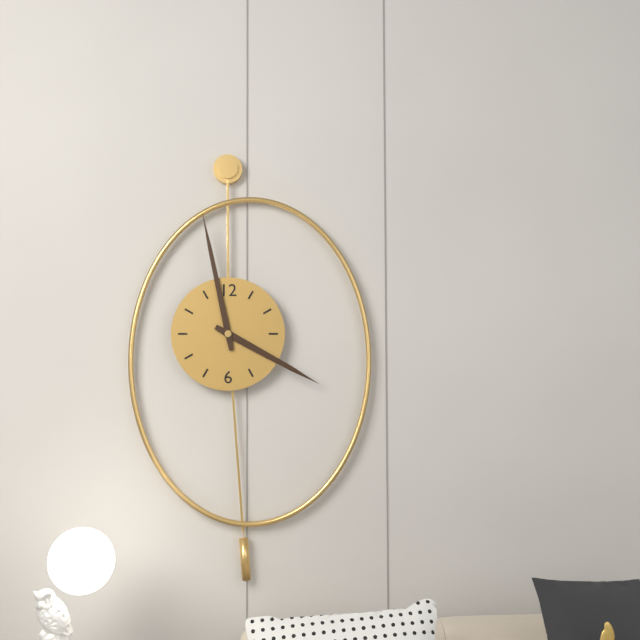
3:58
